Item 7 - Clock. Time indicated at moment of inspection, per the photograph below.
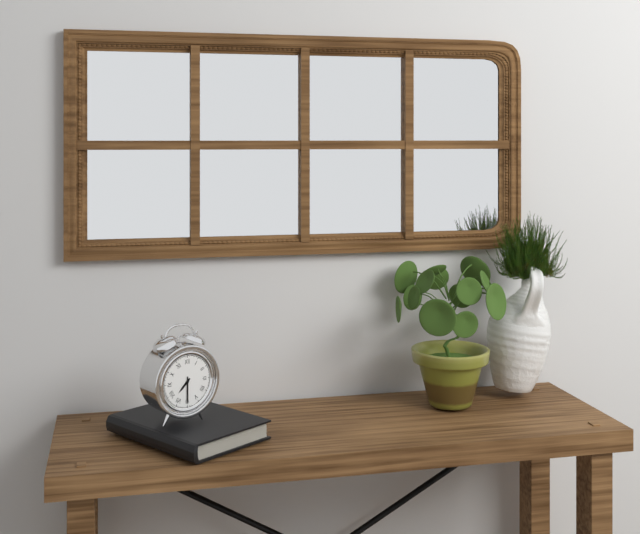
7:30
